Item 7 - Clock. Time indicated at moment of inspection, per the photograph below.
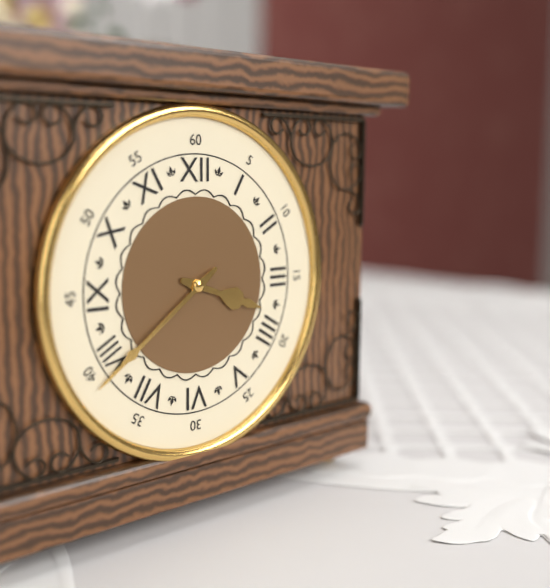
3:39
